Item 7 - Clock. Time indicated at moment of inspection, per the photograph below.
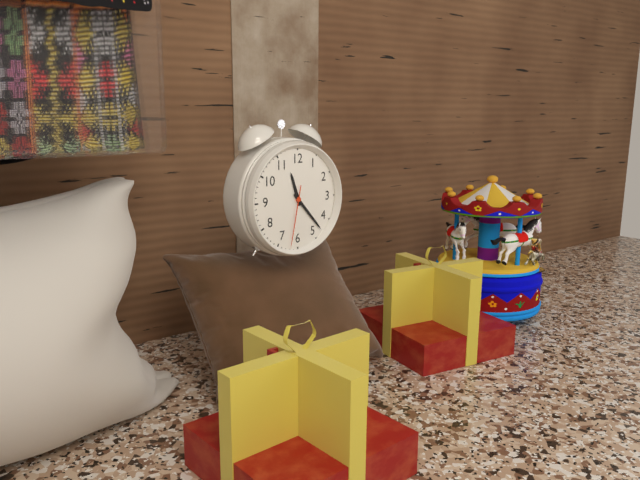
11:23:32
